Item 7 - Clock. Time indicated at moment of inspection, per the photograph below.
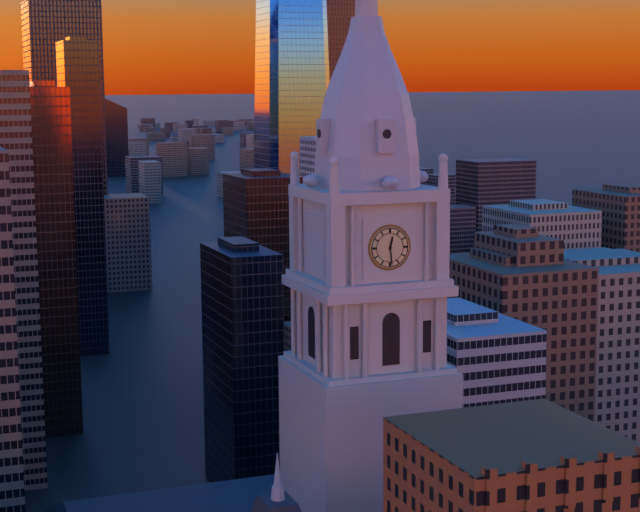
12:29
